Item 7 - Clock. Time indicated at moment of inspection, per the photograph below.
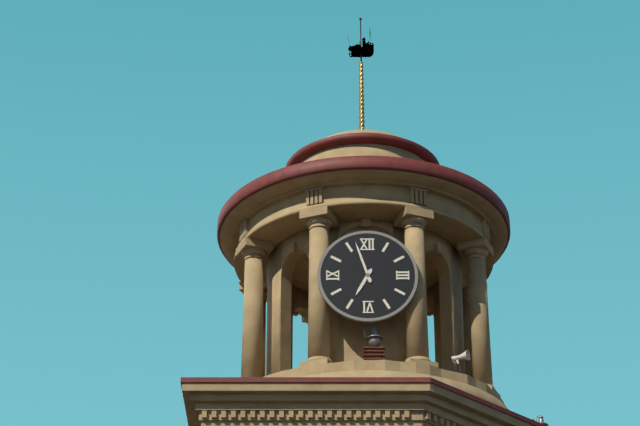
6:57
